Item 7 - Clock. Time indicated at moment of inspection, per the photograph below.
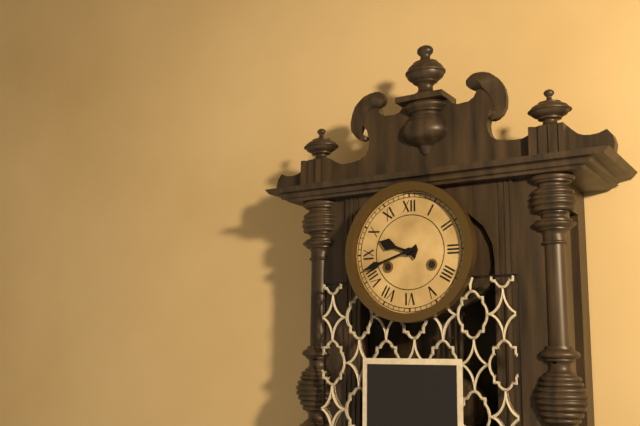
9:42
